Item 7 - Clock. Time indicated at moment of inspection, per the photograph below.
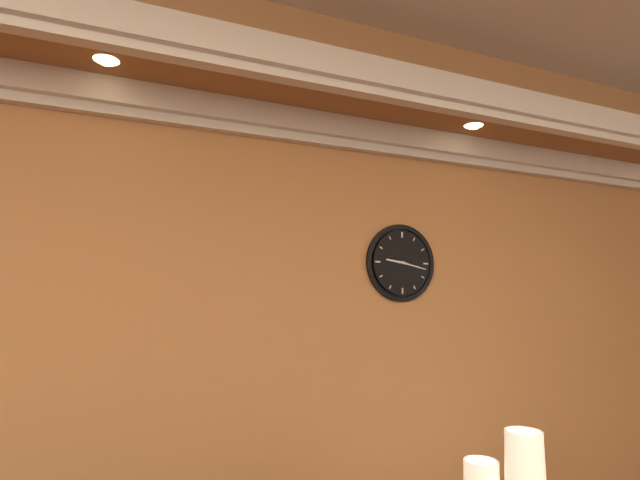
9:17
